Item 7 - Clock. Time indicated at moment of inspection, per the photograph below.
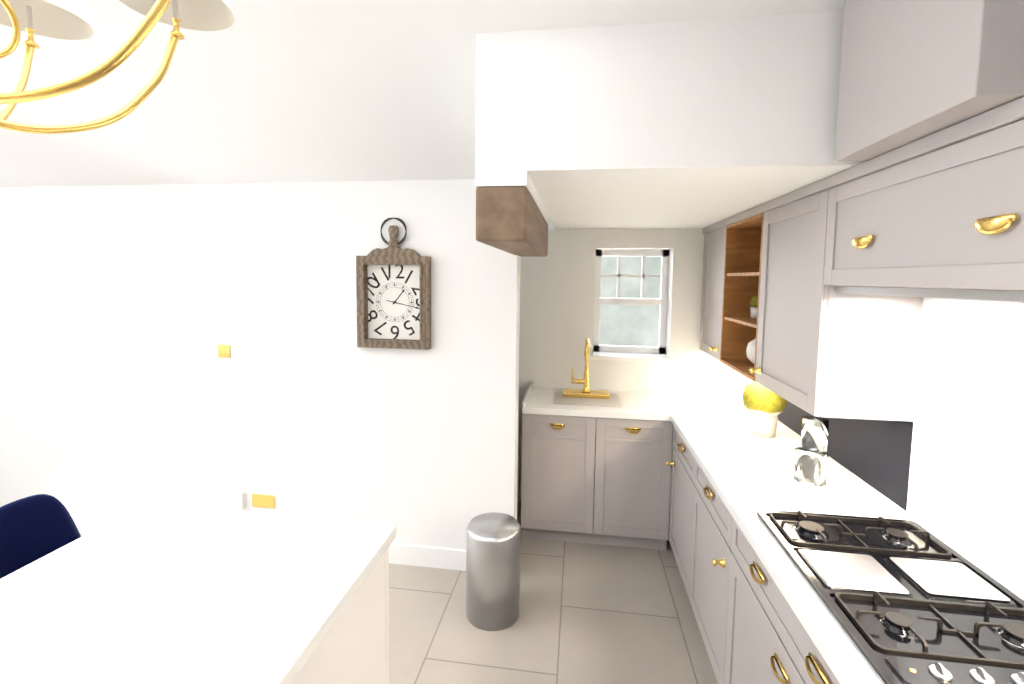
1:17
